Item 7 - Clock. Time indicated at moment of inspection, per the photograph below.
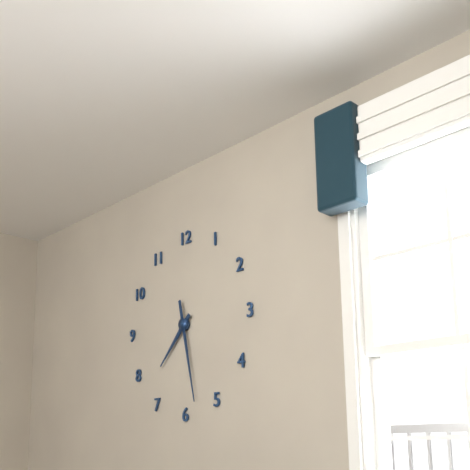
7:28
